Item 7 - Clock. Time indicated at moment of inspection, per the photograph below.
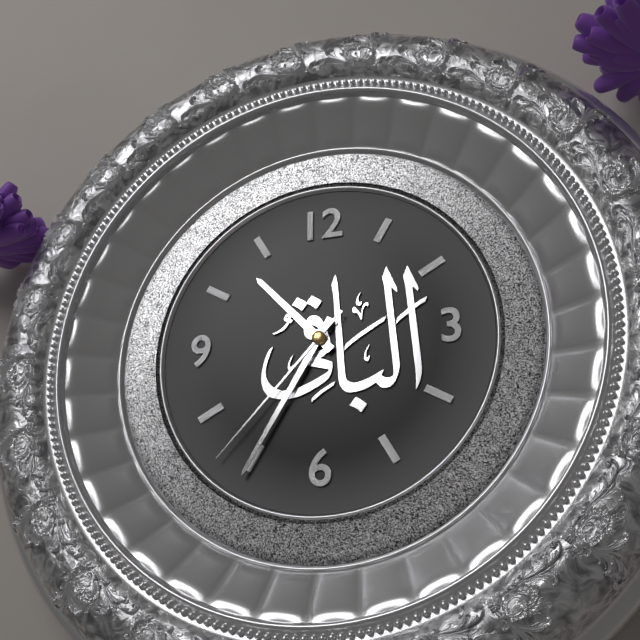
10:35:37
